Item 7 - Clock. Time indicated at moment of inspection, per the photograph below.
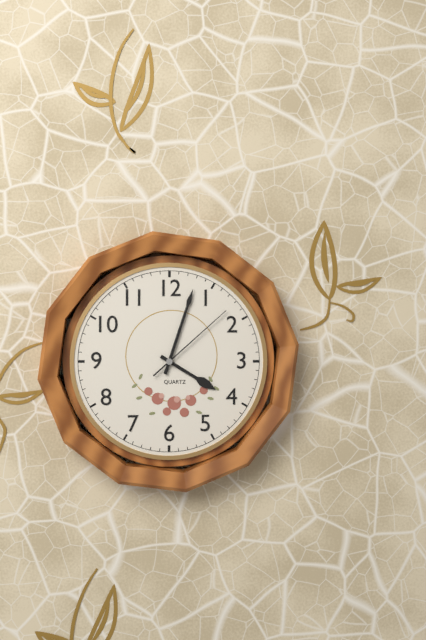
4:03:08
